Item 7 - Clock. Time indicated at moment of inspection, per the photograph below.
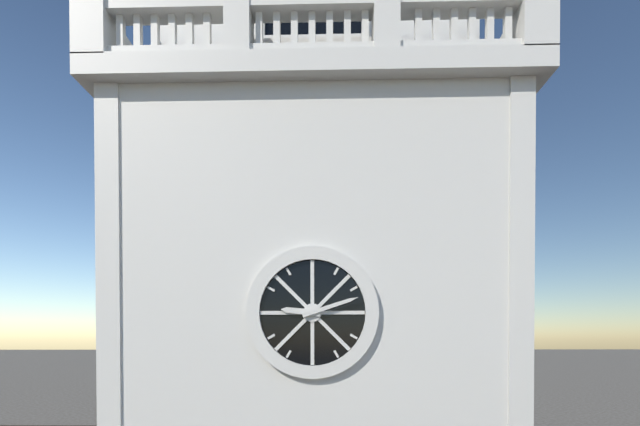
9:12
